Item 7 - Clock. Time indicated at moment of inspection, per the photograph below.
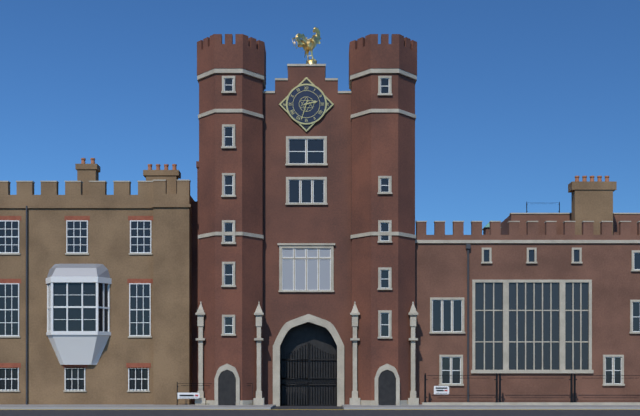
2:33
